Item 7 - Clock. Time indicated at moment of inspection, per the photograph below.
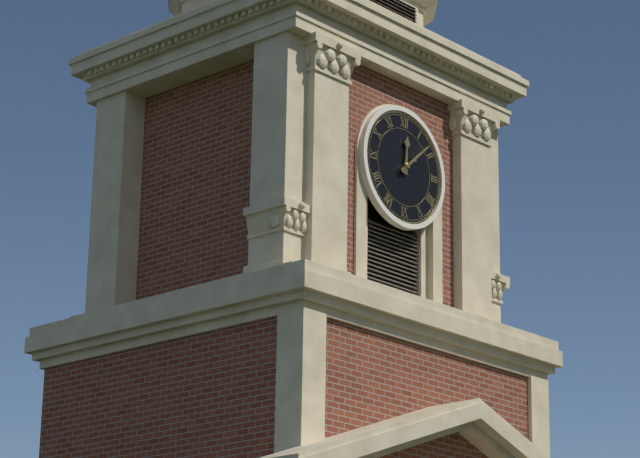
12:08
